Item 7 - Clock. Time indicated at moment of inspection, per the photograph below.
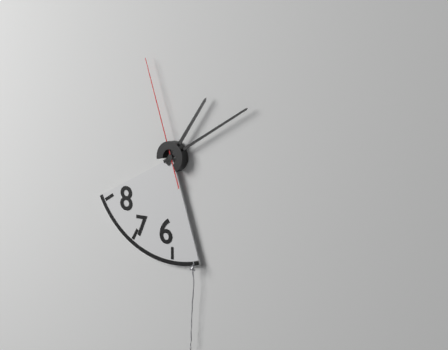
1:10:57
